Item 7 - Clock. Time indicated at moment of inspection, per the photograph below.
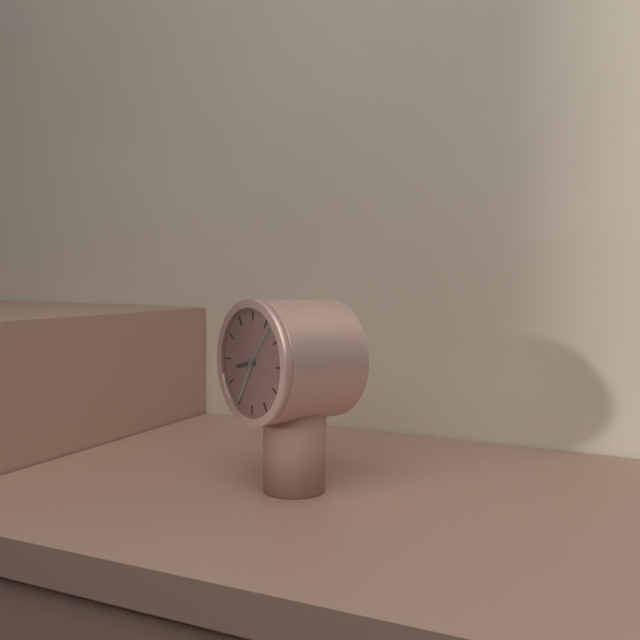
8:35
